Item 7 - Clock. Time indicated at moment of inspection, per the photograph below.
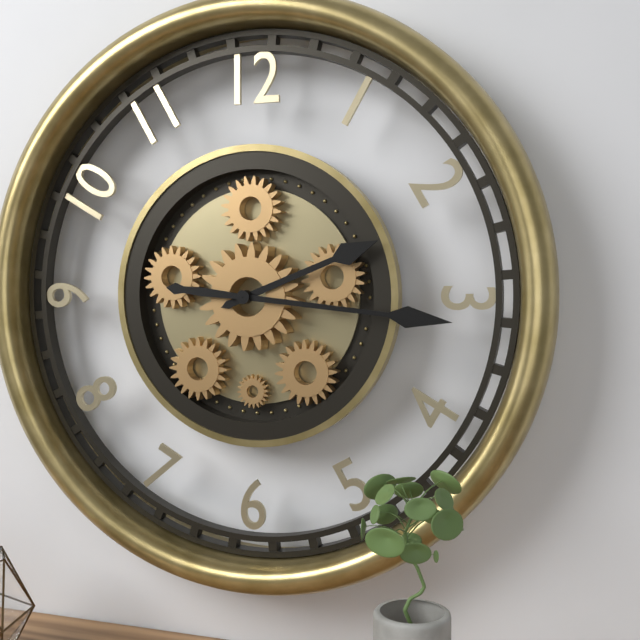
2:16
